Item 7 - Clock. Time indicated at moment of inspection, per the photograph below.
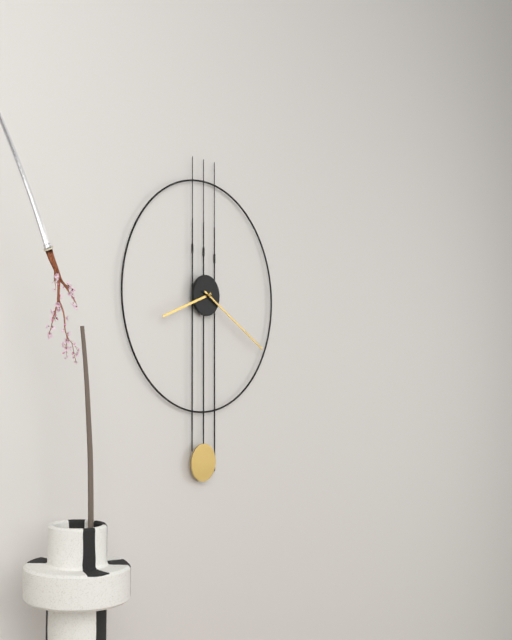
8:20
